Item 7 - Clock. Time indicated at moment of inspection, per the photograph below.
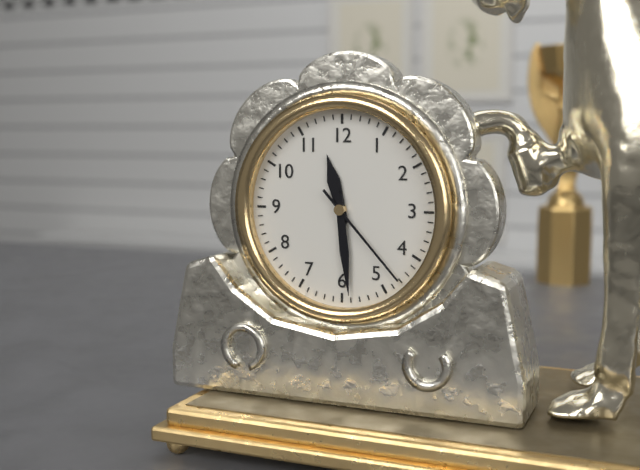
11:29:23
